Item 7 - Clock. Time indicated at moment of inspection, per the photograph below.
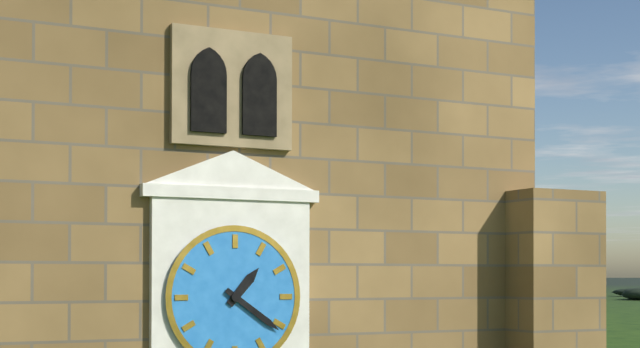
1:21
